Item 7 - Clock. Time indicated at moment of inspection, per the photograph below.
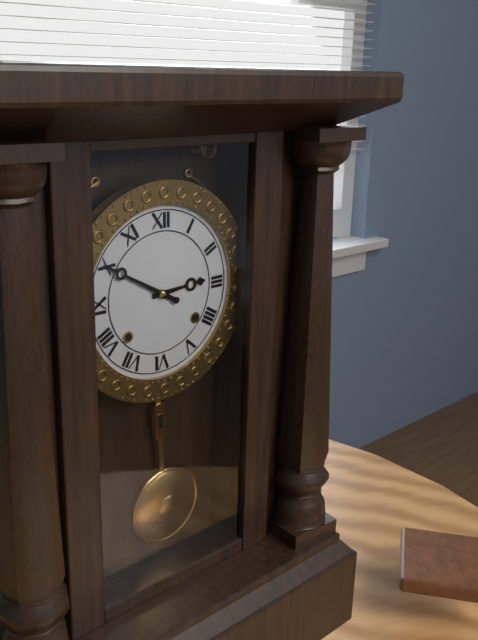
2:50
